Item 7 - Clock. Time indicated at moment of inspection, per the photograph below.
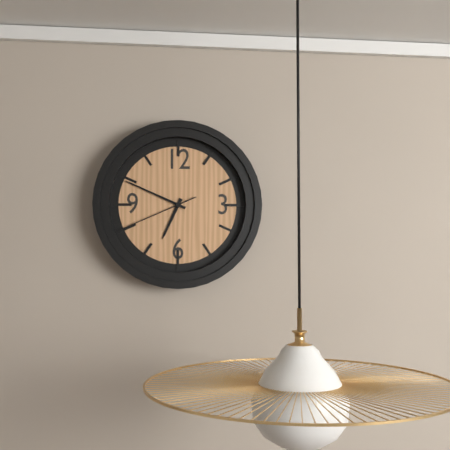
6:49:41
